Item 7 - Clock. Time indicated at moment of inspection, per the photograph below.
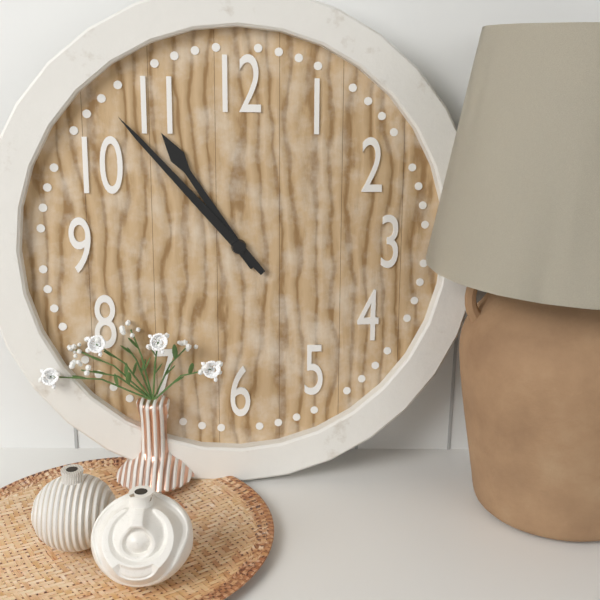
10:53
